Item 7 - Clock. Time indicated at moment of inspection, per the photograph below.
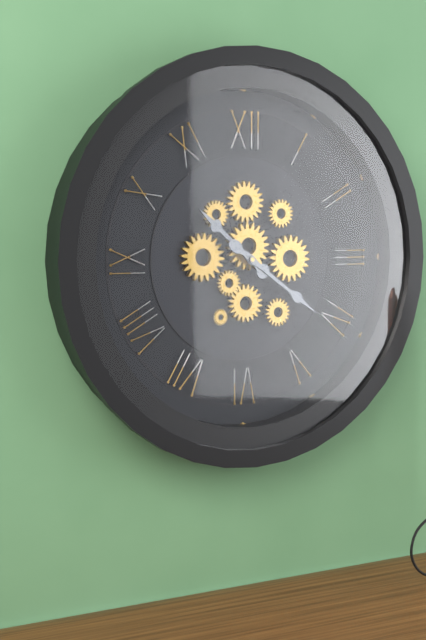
10:21
